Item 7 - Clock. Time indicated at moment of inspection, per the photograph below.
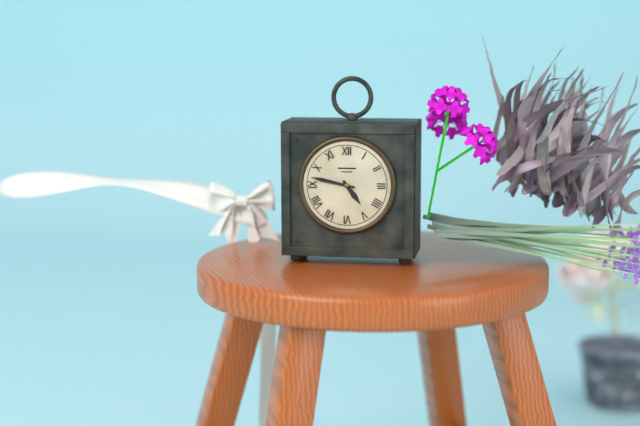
4:47
